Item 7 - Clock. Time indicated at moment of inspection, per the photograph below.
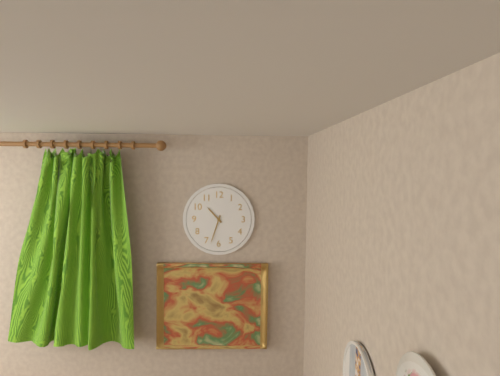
10:33
